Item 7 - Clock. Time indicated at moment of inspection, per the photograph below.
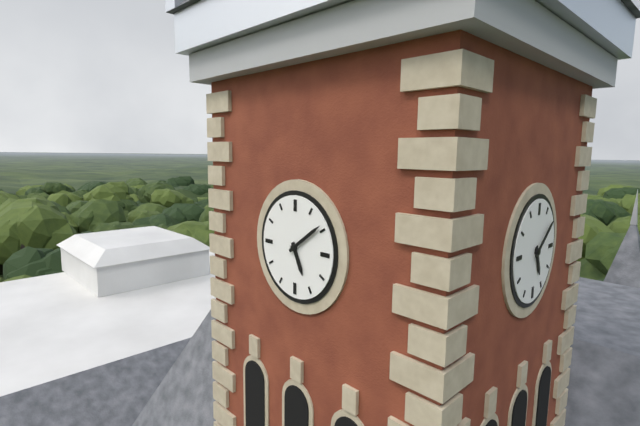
5:09
